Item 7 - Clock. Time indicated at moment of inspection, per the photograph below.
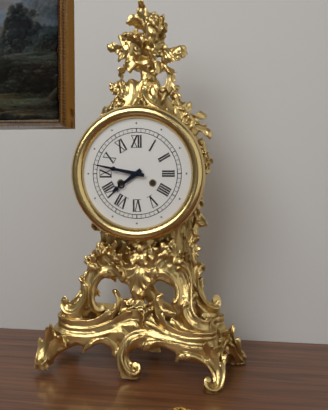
7:47
